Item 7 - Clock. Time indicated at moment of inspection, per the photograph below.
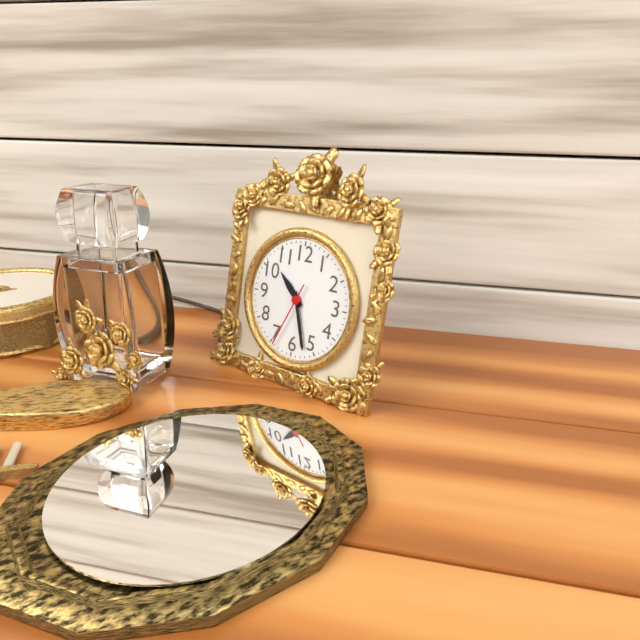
10:27:34
